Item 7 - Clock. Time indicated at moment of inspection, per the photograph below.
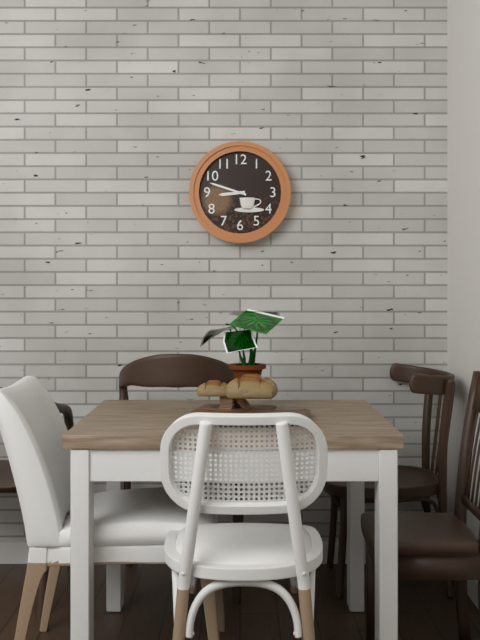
8:48
